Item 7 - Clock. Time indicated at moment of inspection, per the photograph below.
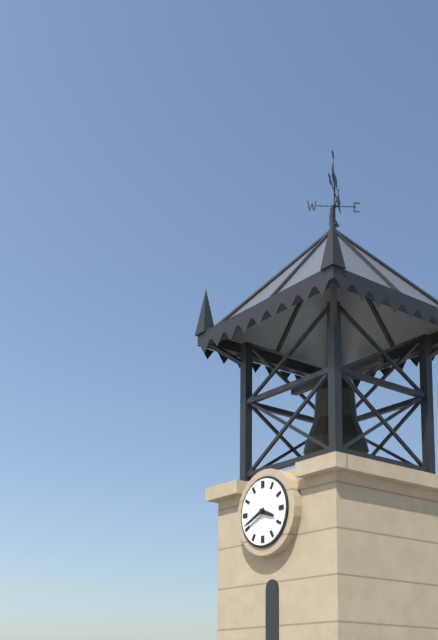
3:41
